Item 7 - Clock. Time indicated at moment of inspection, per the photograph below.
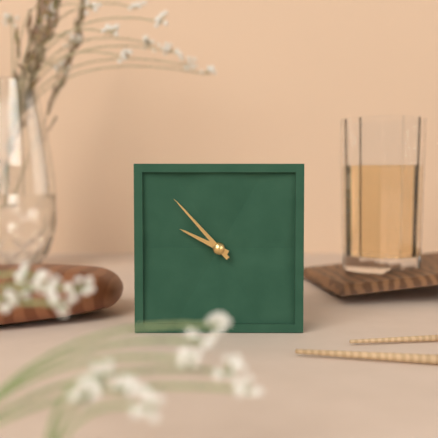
9:53
